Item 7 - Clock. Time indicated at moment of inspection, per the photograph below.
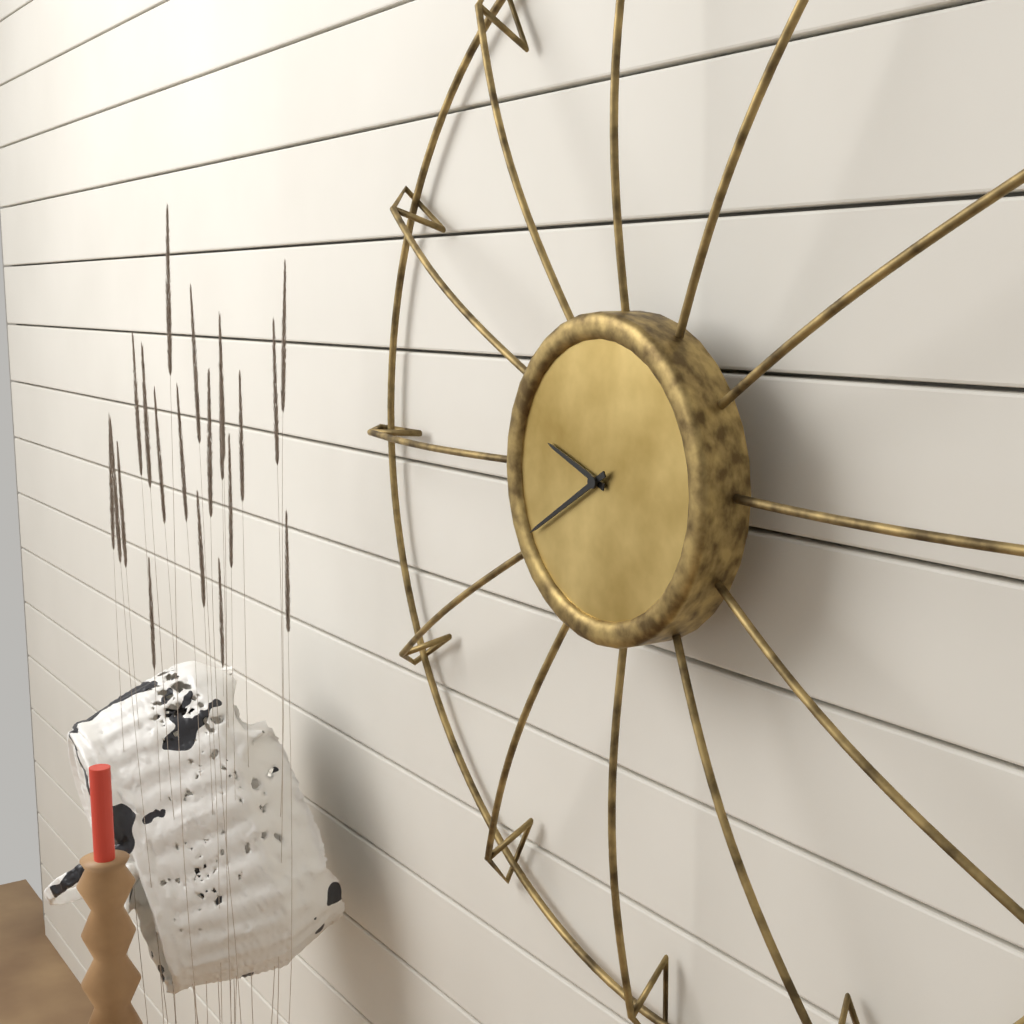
9:40
